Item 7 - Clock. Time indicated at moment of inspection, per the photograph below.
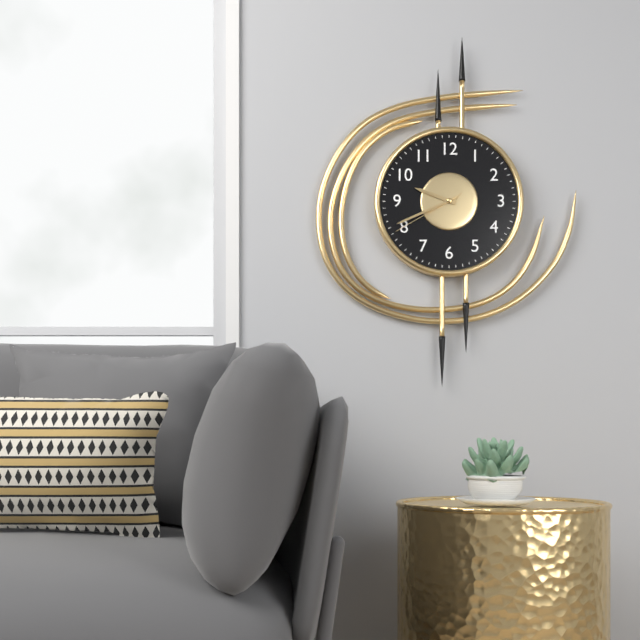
9:41:40
